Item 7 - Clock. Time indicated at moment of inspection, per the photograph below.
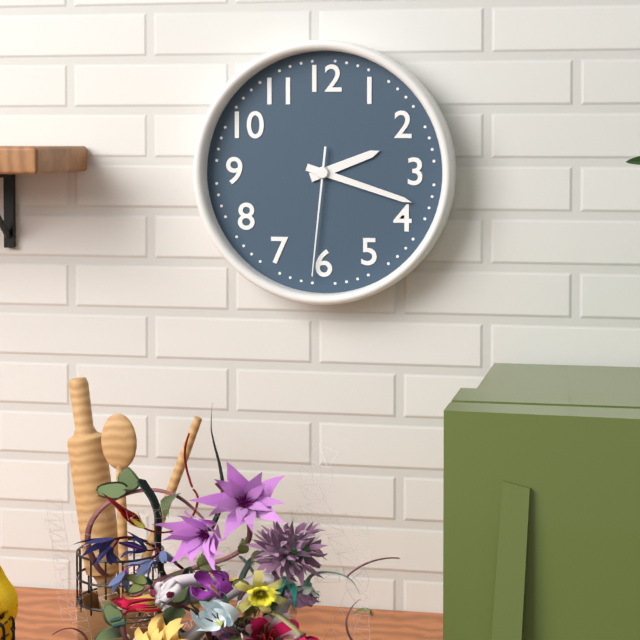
2:18:31
